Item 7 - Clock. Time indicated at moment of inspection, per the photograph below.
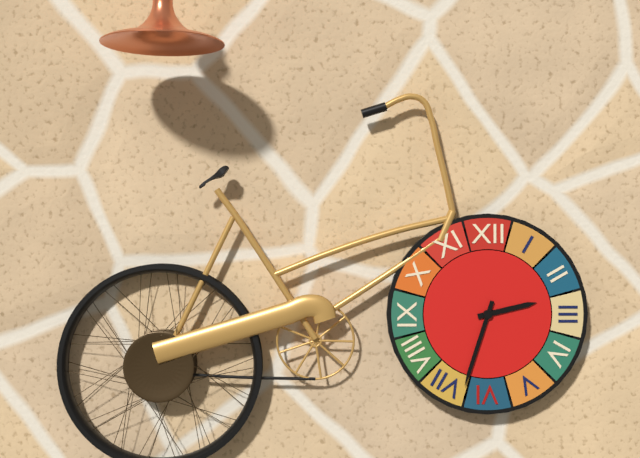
2:33
